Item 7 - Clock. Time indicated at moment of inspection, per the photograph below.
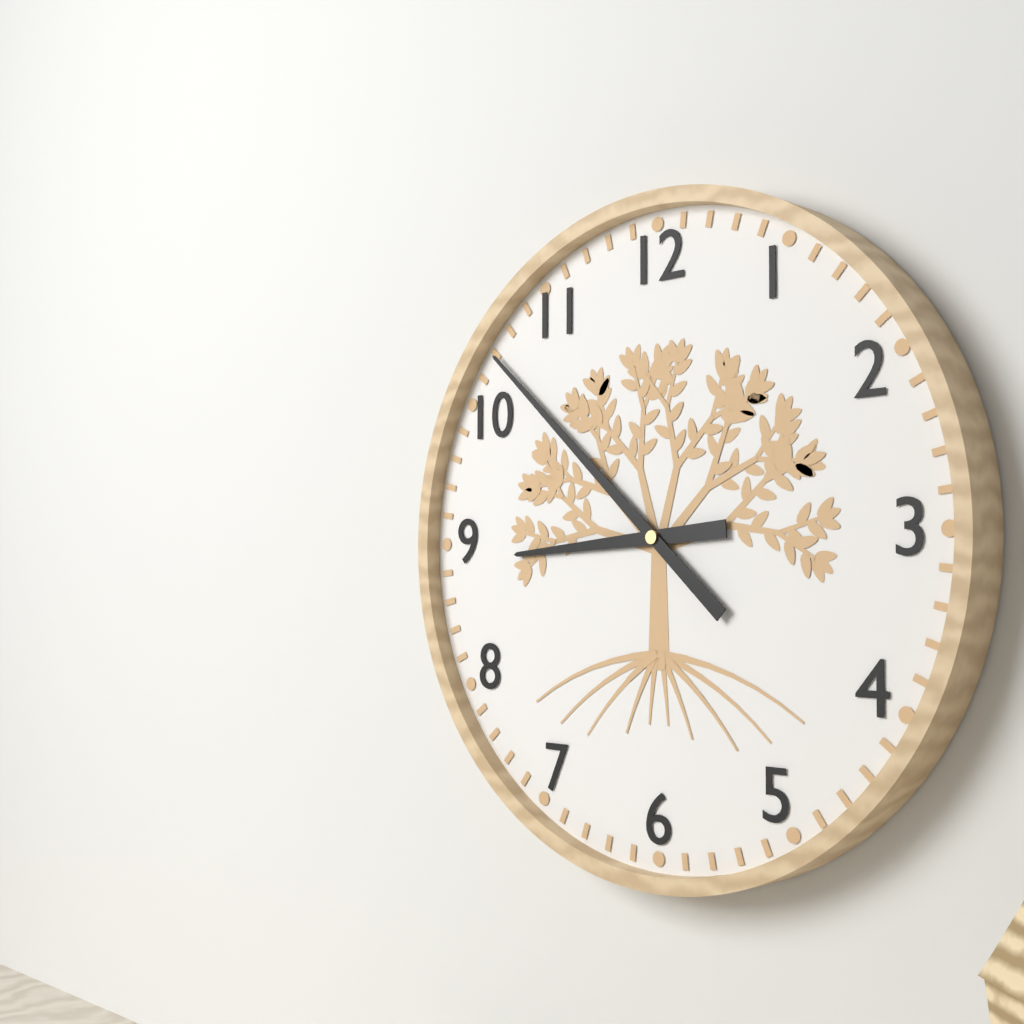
8:52
